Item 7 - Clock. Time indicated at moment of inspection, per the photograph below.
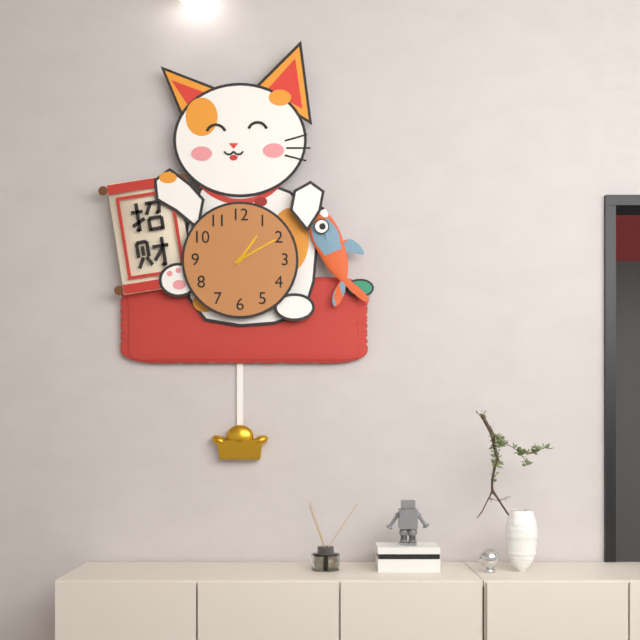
1:10
